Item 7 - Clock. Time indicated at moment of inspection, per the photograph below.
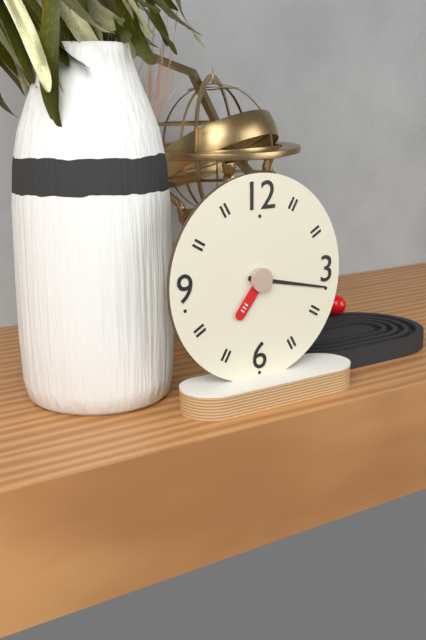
7:17
